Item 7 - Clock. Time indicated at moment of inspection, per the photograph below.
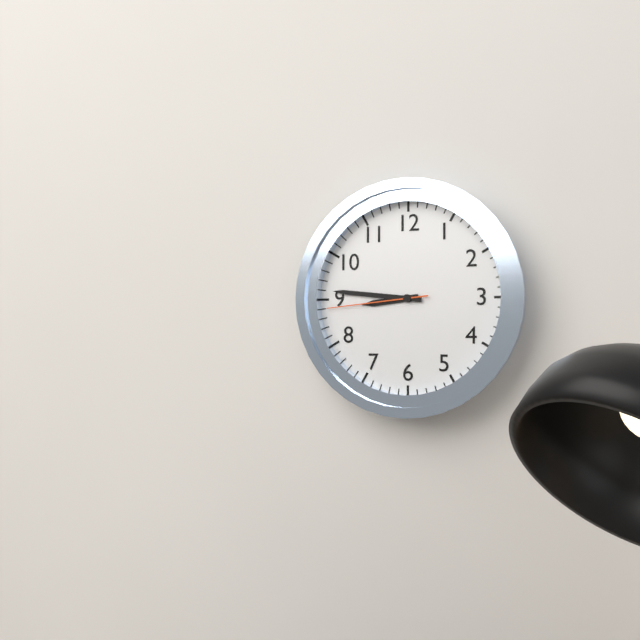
8:46:44
